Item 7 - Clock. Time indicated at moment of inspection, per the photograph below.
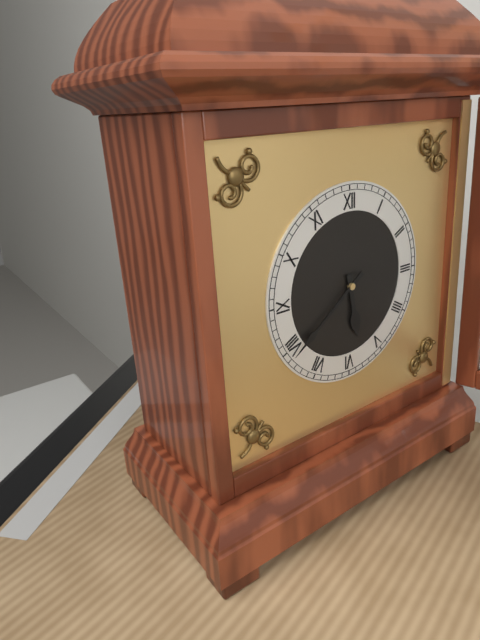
5:39
